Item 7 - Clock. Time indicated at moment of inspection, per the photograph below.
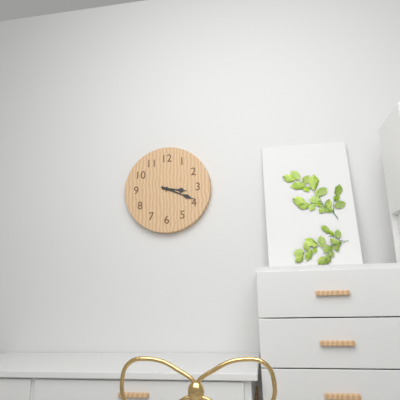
3:19
